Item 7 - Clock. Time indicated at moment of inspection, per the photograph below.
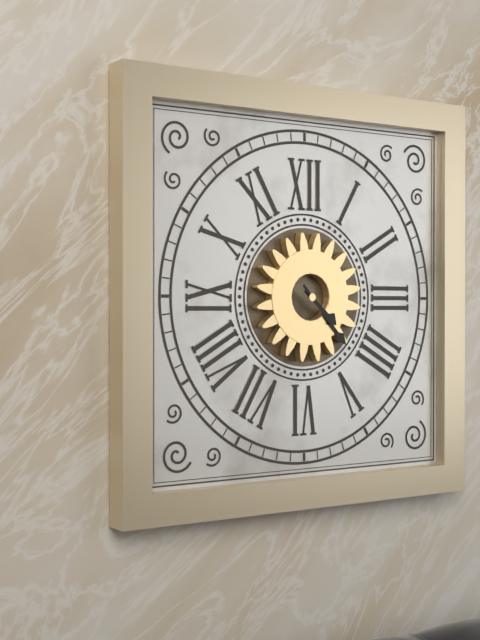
4:23
